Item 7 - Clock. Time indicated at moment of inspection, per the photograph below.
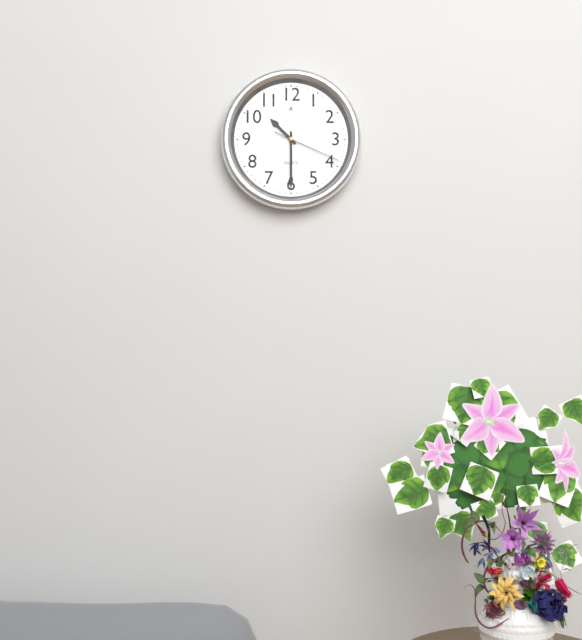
10:30:19
